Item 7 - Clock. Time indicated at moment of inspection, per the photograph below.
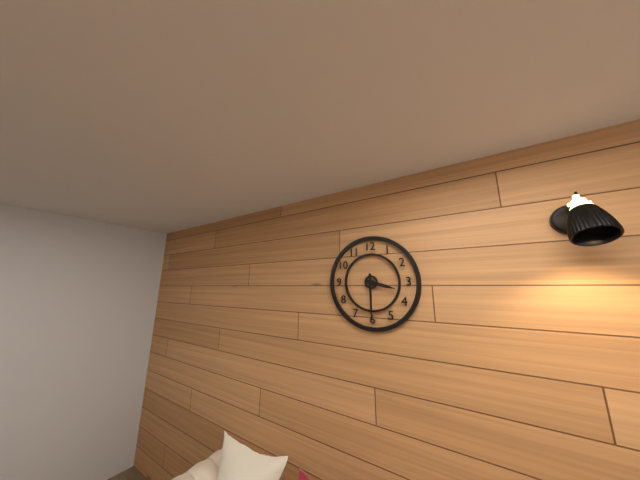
3:30
